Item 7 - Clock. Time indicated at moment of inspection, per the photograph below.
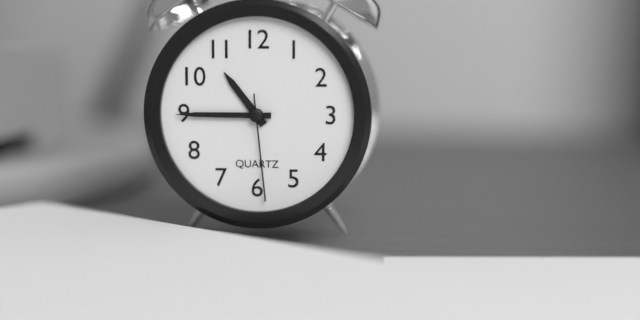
10:45:29
